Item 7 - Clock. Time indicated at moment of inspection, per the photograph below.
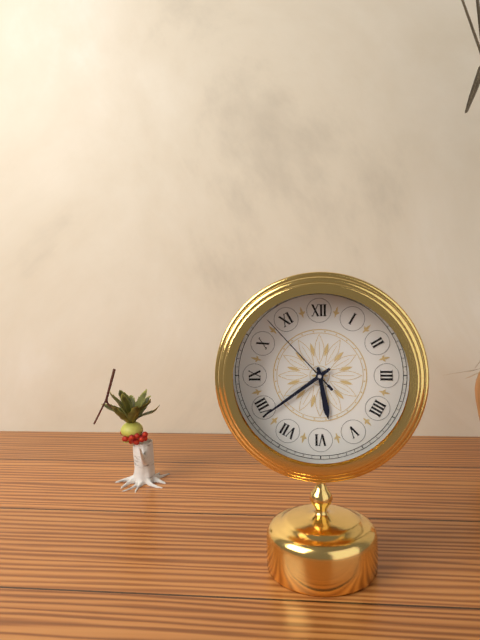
5:39:53
